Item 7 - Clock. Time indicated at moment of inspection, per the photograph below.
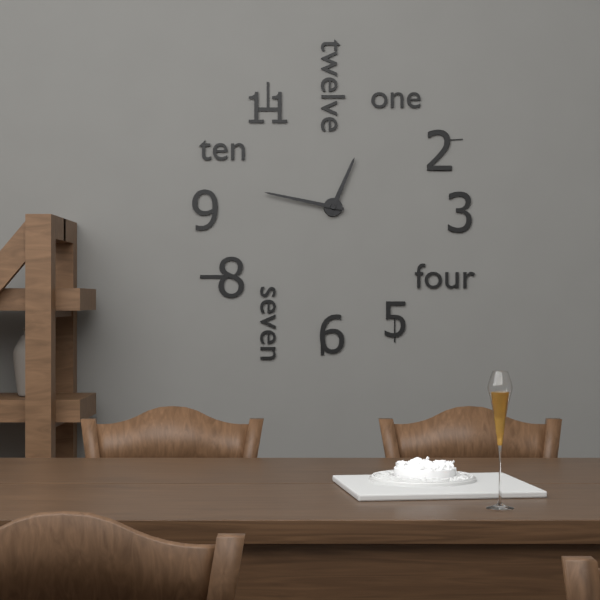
12:47
